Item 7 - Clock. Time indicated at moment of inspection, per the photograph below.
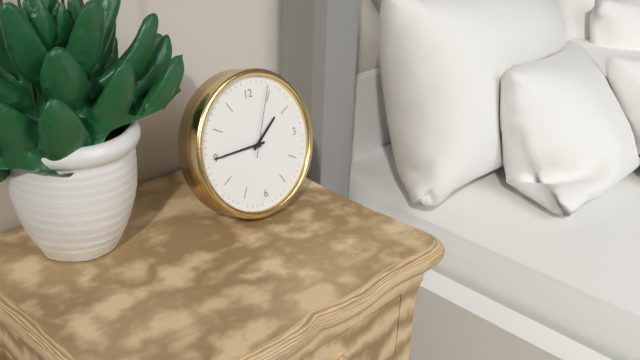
1:45:04
